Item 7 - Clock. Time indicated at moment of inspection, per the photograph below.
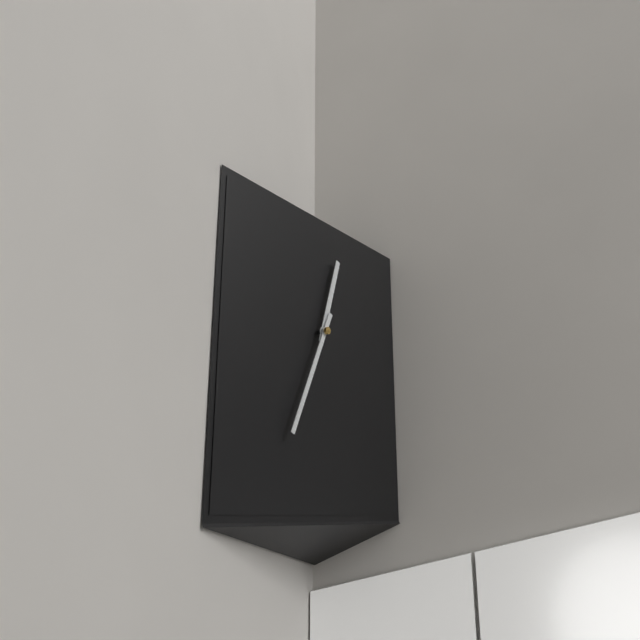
12:34
